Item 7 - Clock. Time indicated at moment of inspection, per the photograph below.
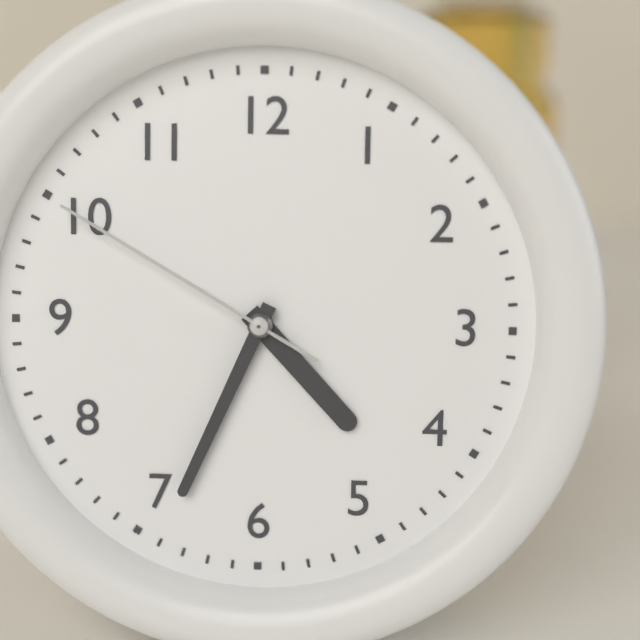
4:34:50
